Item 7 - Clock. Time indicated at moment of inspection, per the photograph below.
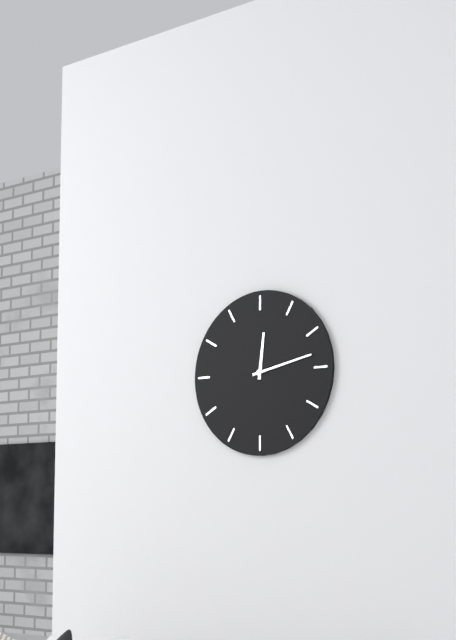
12:13
